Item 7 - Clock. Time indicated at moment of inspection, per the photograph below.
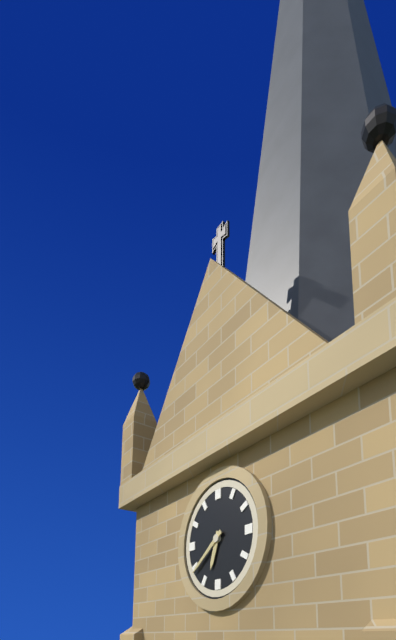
6:39
